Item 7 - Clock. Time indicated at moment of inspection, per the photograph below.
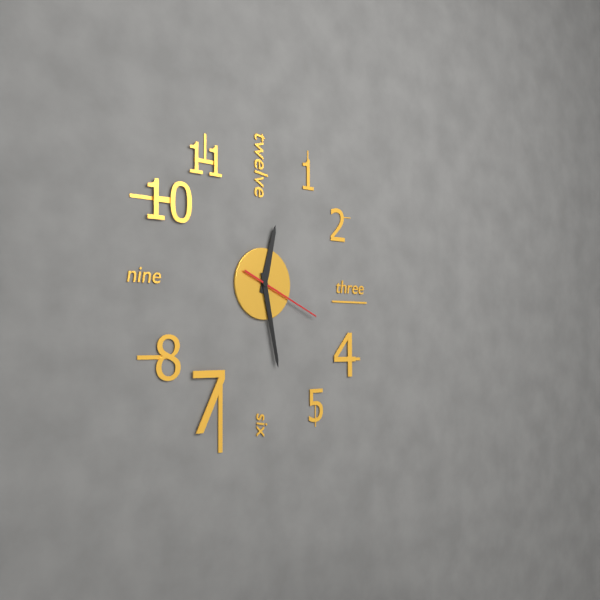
12:28:19
